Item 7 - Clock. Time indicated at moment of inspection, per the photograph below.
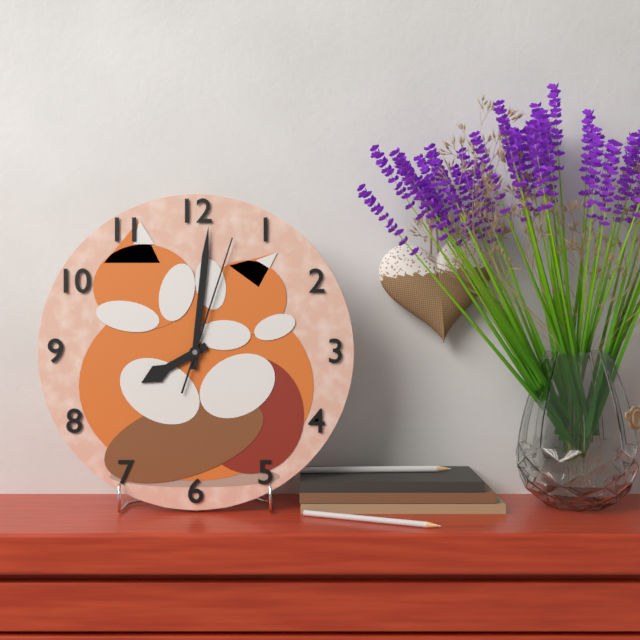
8:01:03
